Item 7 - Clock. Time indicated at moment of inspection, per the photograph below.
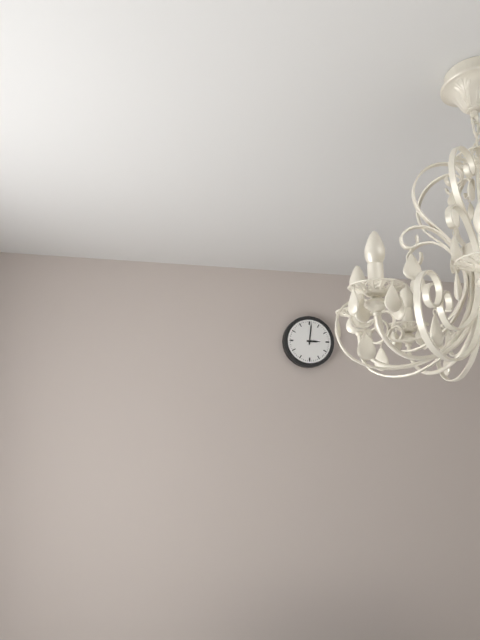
3:01
